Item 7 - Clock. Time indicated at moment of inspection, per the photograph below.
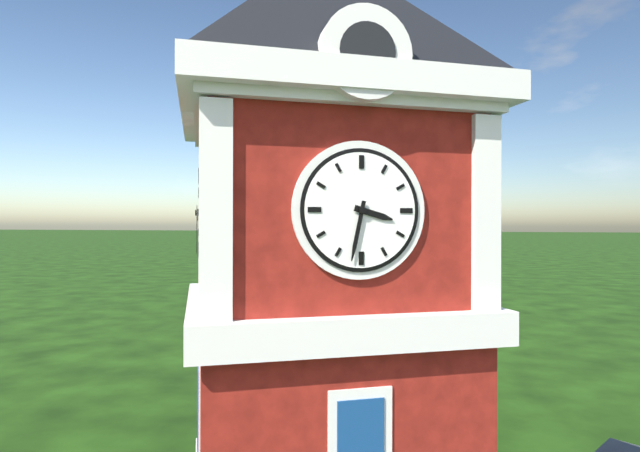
3:32
